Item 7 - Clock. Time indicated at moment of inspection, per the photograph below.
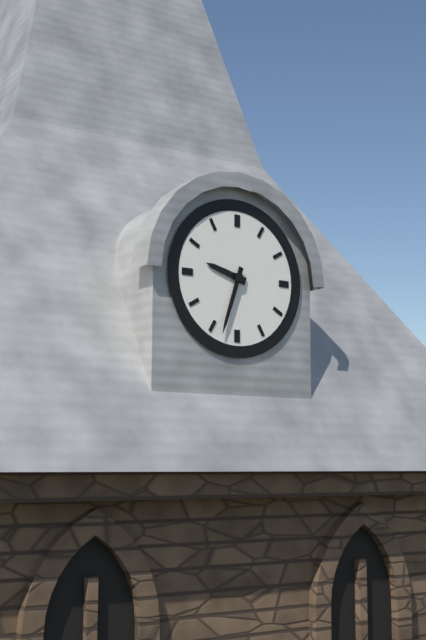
9:33
